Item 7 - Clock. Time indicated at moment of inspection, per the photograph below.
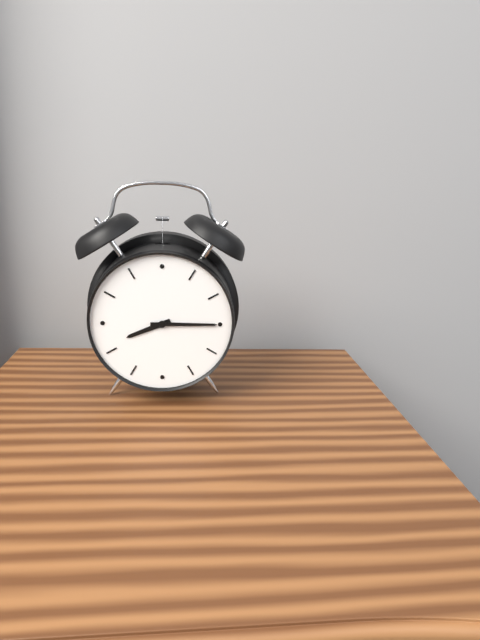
8:15
